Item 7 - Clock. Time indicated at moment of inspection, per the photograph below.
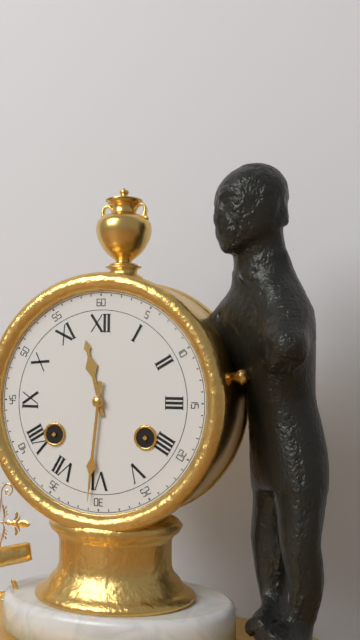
11:31
